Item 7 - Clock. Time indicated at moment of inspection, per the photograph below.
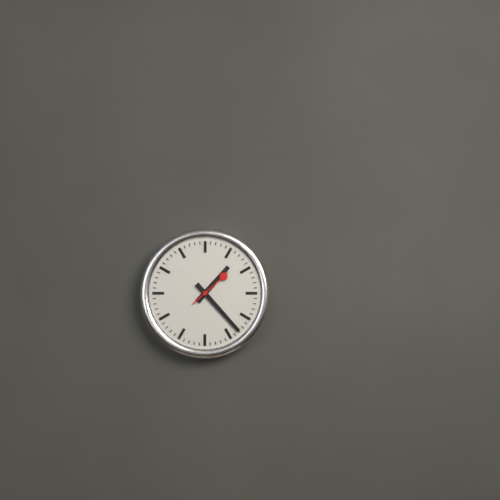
1:23
